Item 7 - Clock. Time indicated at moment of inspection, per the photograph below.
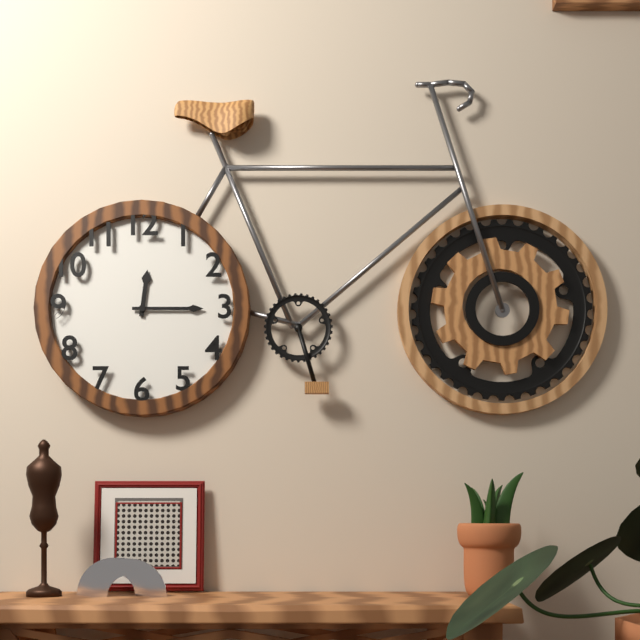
12:15
